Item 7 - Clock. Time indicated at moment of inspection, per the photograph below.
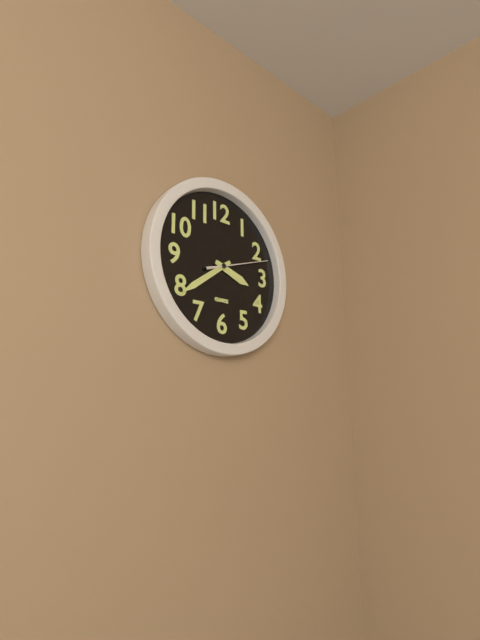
3:39:12
